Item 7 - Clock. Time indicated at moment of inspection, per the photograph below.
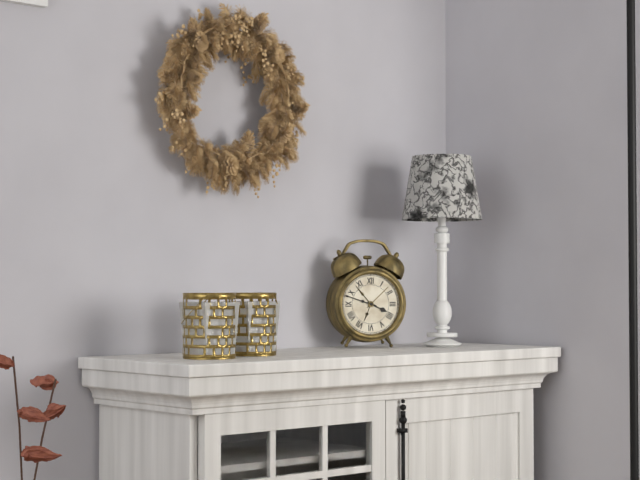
3:48
